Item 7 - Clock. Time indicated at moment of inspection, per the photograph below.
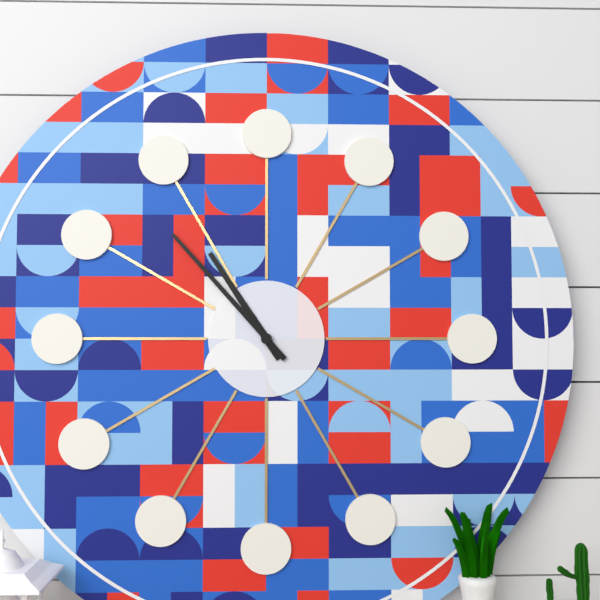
10:53
